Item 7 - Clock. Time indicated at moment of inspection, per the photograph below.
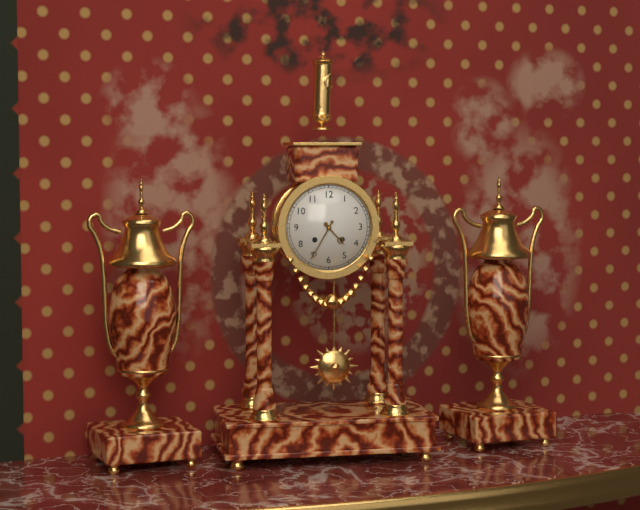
4:35
